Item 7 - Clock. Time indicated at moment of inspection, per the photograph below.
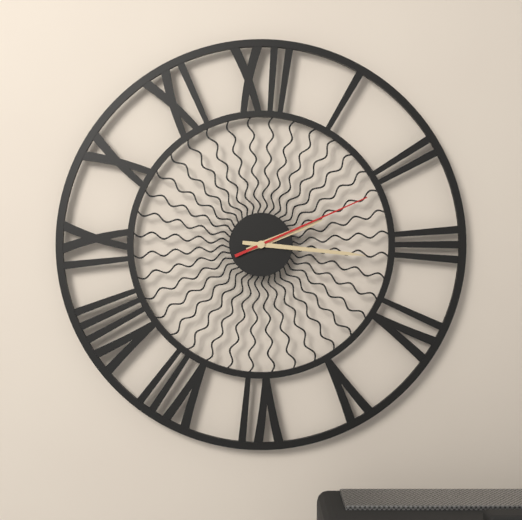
2:16:11
